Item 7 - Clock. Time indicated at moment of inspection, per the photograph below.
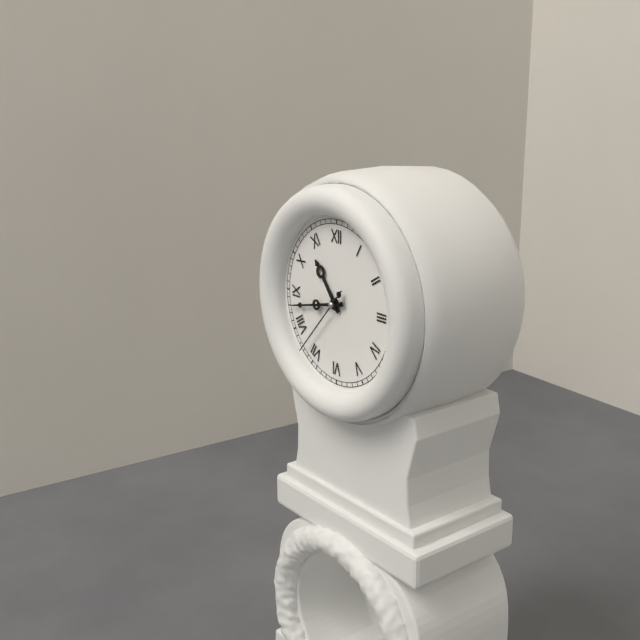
10:43:37
